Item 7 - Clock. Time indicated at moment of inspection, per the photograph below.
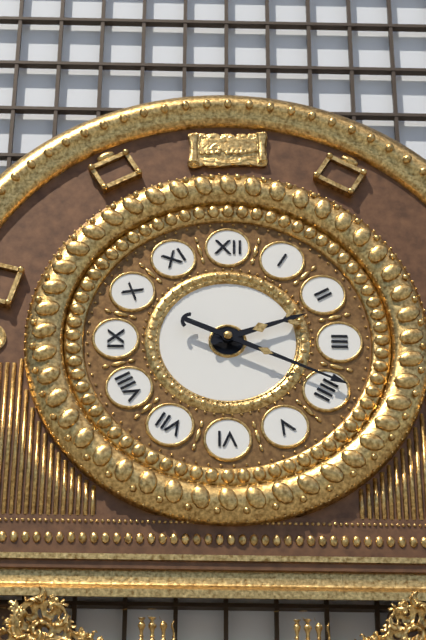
2:19
